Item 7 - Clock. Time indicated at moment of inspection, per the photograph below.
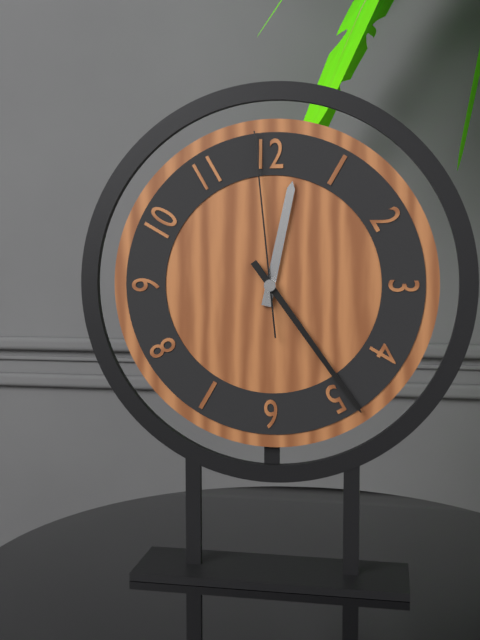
12:24:59
